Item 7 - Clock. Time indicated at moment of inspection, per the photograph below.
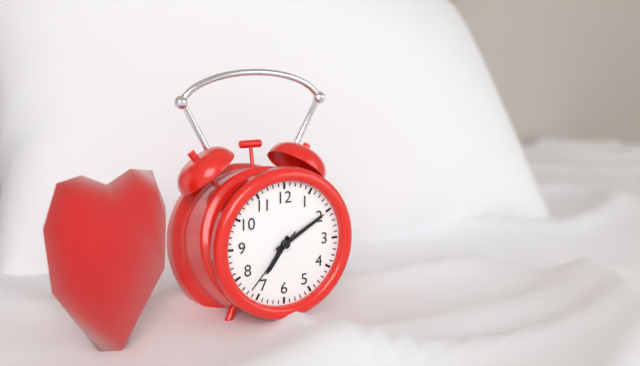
7:10:37
